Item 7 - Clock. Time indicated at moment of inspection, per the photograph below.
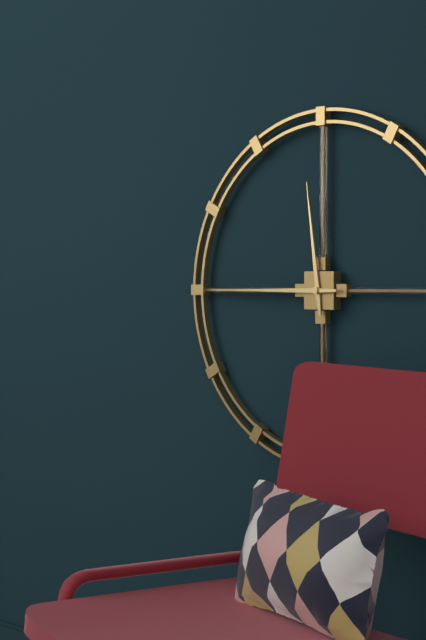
11:45
